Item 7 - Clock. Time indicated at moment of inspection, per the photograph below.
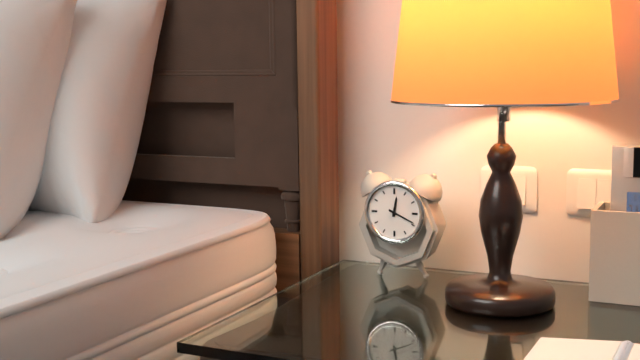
12:19
